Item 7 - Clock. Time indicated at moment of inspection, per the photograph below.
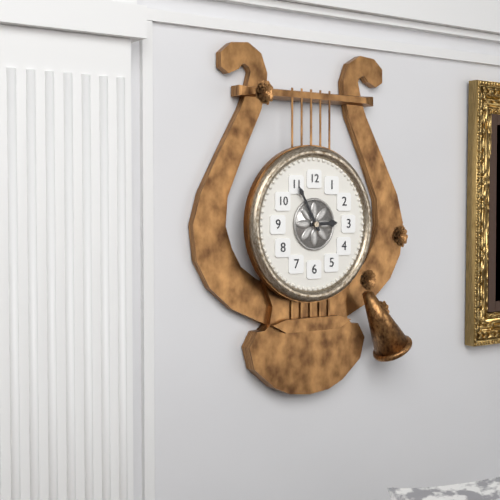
2:55
